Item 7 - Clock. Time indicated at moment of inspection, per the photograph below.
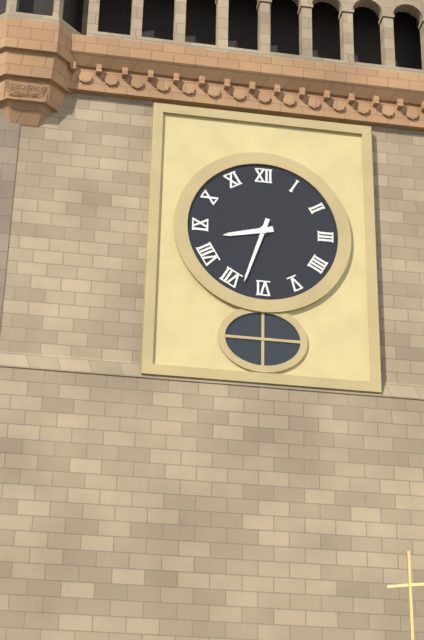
8:33
